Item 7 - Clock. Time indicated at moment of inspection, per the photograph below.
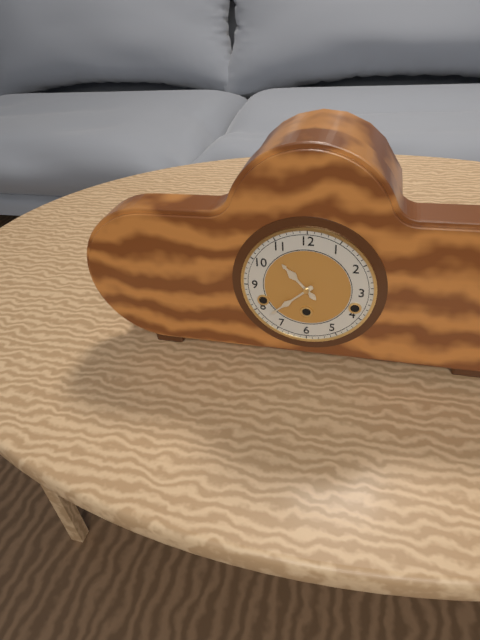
10:38
